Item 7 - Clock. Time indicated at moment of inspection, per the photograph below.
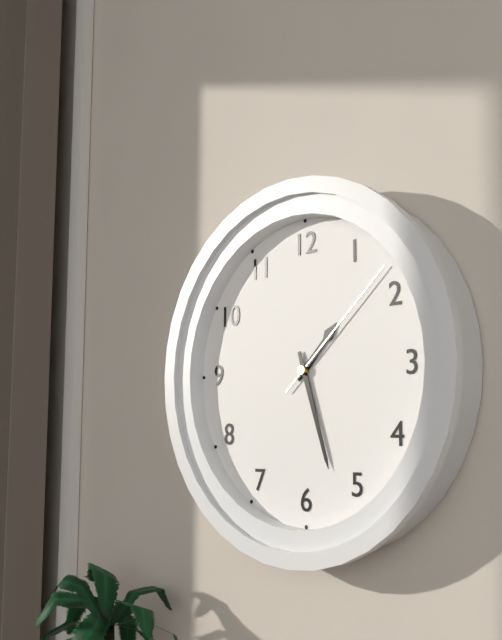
1:27:08
